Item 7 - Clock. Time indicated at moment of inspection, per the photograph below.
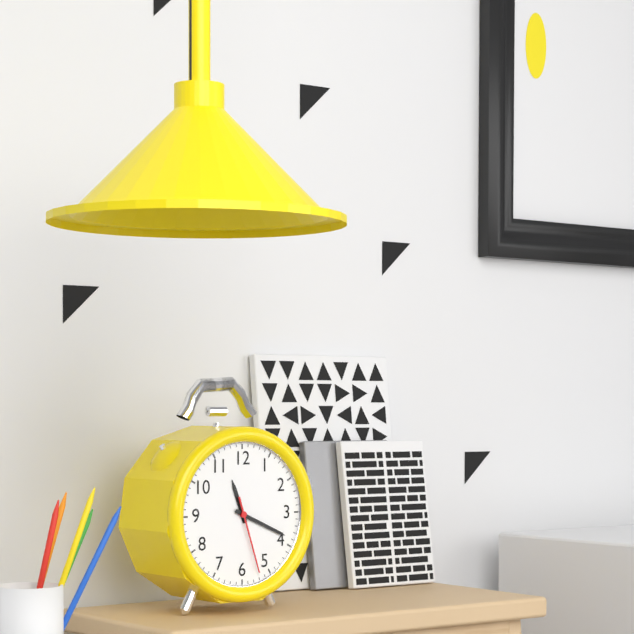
11:19:27
